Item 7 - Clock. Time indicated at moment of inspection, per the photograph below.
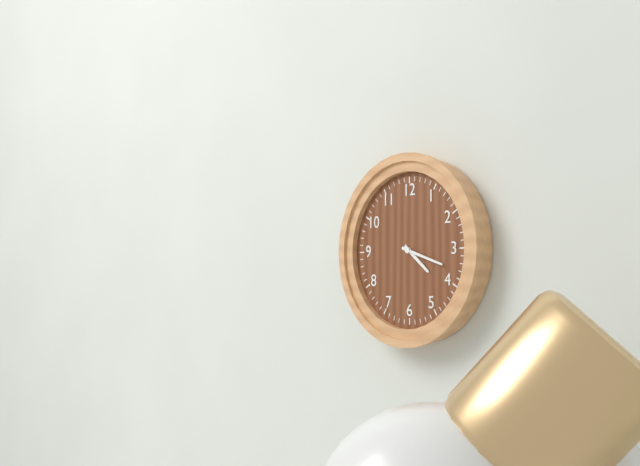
4:18
